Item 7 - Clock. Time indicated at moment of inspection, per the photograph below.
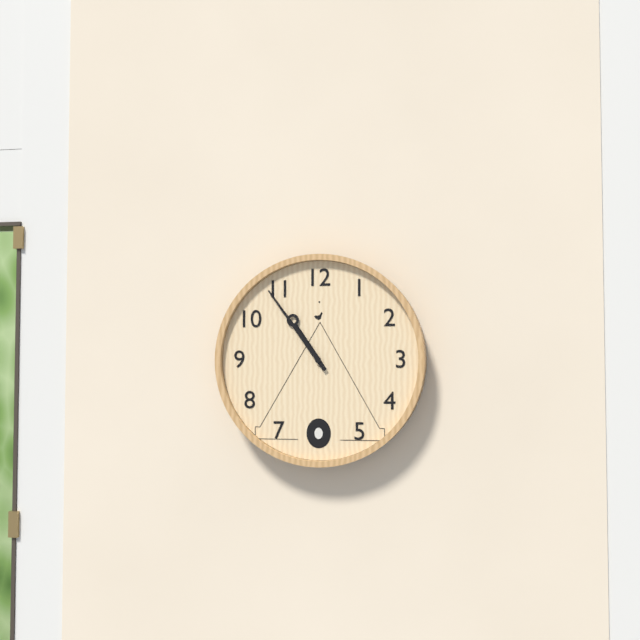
10:54
